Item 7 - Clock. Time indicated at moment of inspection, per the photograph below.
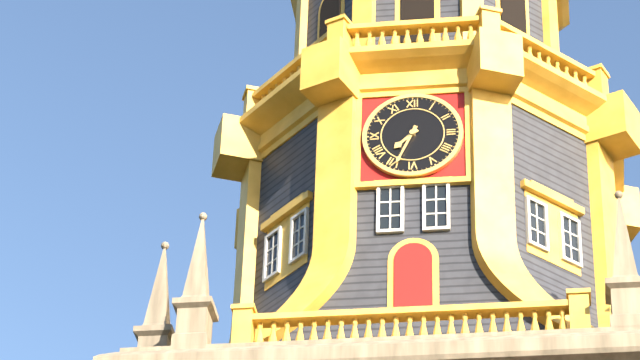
7:34
